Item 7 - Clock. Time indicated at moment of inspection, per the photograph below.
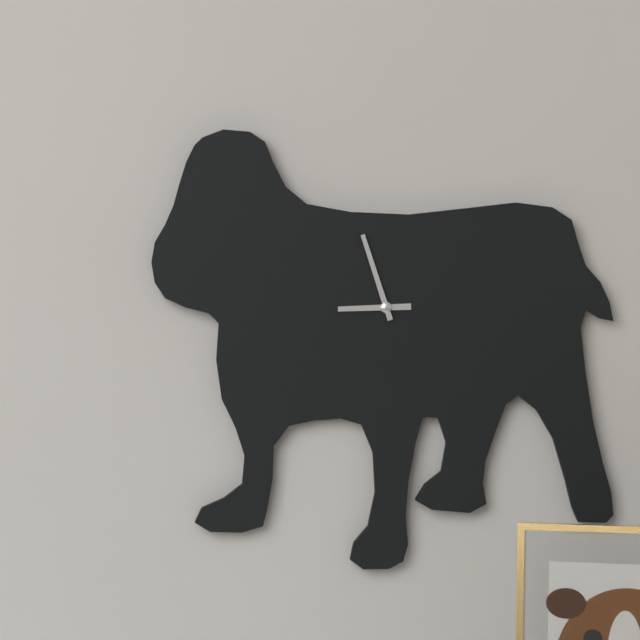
8:57
